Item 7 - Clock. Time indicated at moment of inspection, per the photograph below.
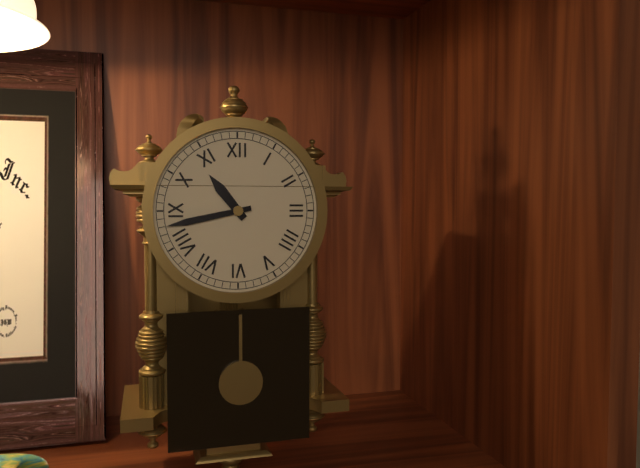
10:43
